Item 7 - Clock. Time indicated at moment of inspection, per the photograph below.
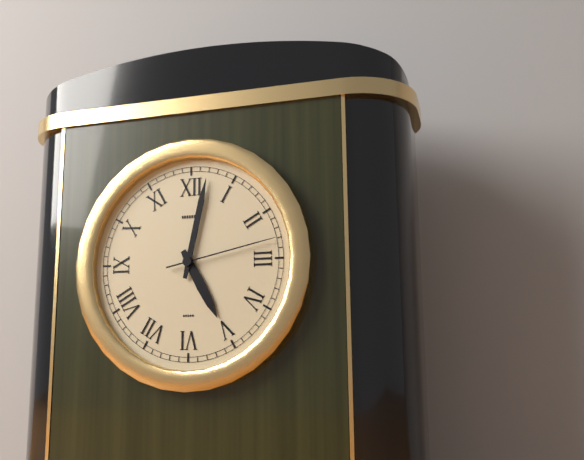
5:02:13
